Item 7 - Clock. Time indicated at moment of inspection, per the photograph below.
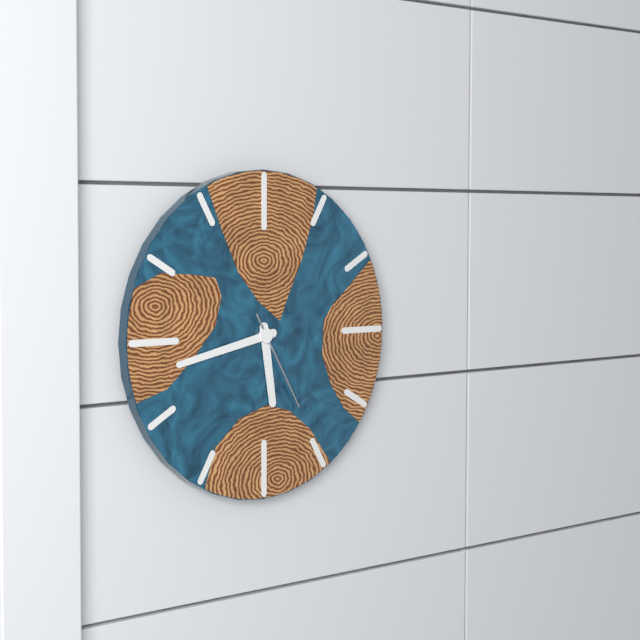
5:43:25
